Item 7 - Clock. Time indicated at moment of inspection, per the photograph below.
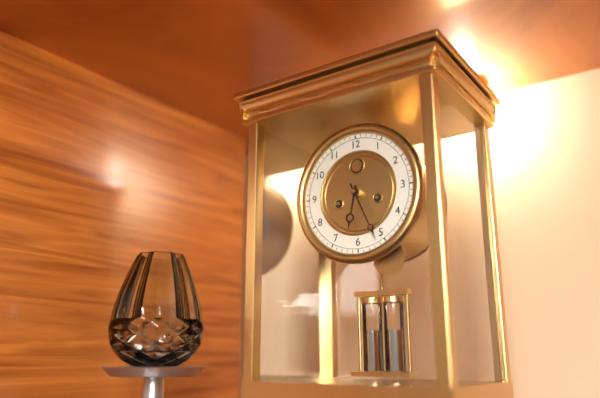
6:26
